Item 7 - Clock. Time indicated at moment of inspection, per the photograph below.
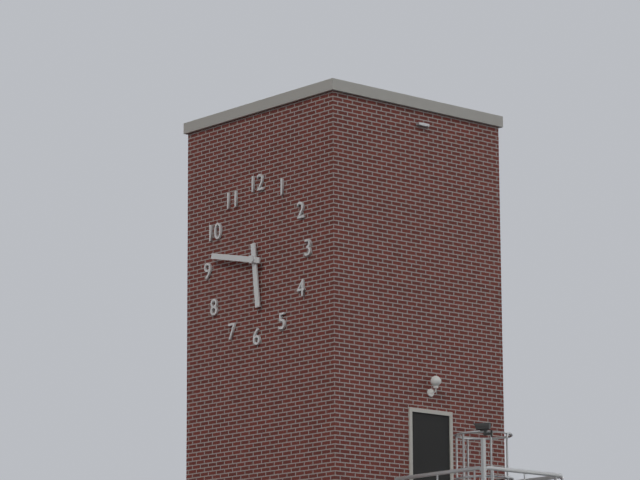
5:47
